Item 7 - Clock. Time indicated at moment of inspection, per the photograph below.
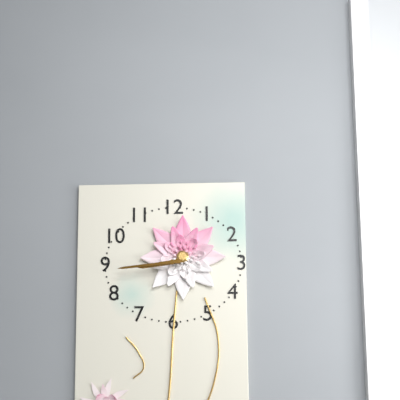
8:44
